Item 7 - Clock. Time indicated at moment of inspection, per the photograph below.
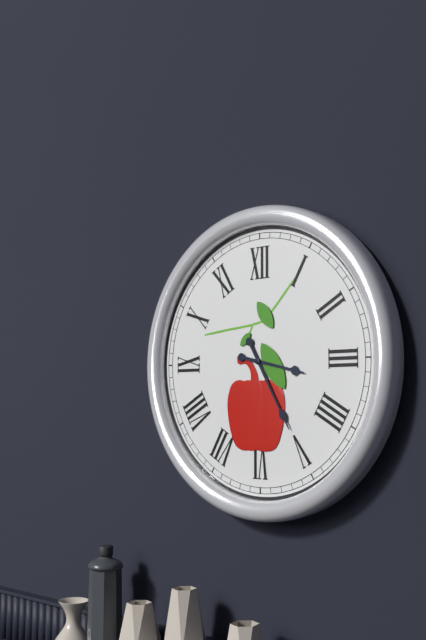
3:25
